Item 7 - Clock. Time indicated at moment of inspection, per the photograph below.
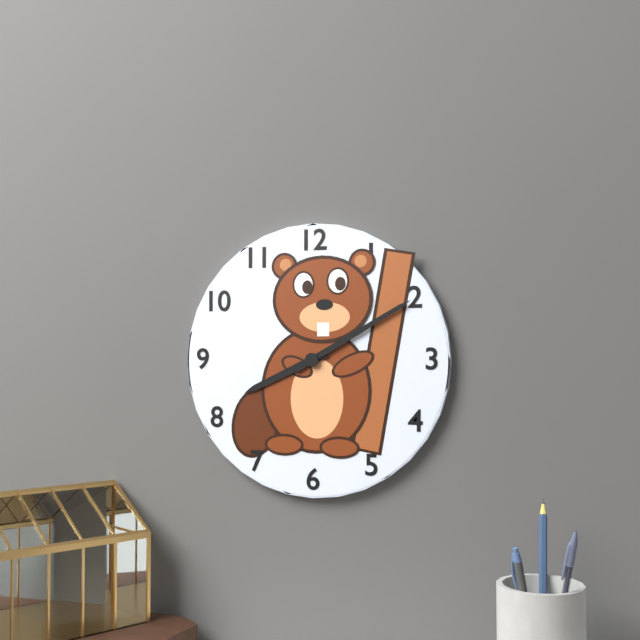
8:10
